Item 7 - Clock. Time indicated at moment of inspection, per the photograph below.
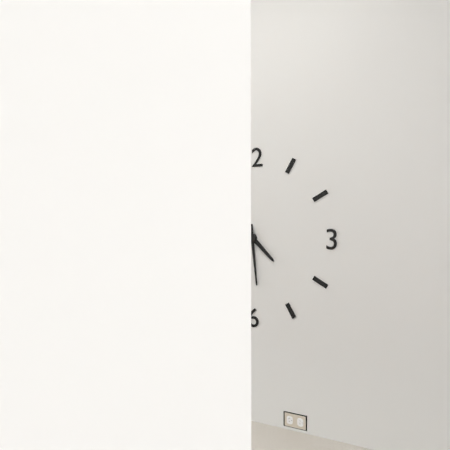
4:29
